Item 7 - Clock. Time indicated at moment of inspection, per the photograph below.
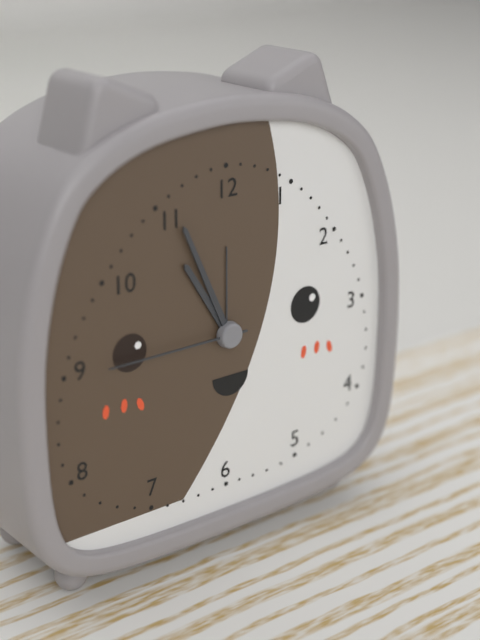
10:56:45
